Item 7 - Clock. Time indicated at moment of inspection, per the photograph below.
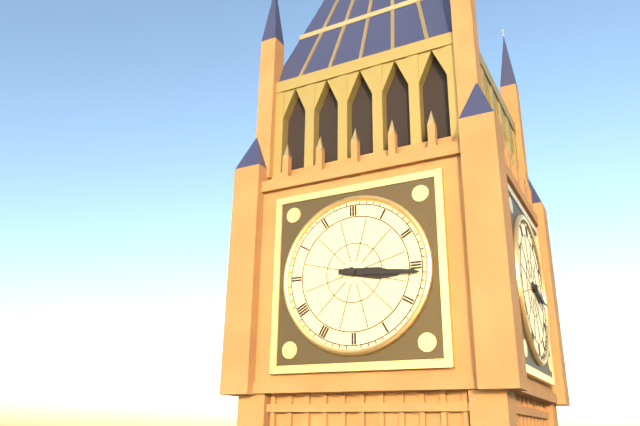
3:16
